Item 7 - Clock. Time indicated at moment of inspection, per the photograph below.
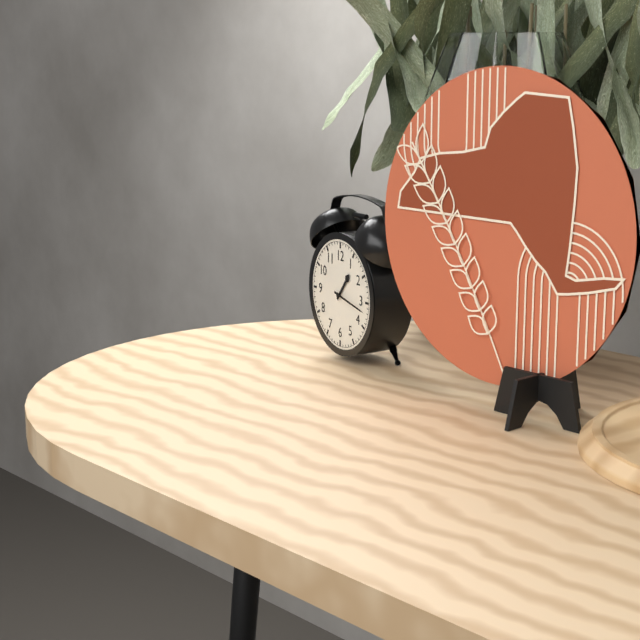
1:17
